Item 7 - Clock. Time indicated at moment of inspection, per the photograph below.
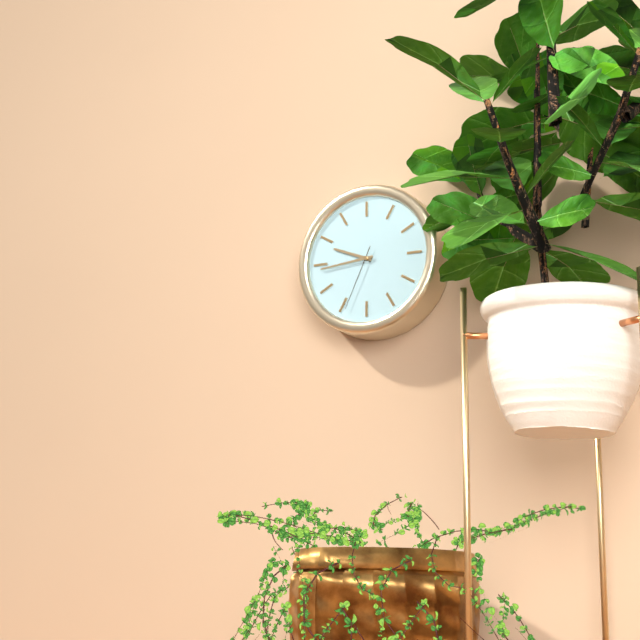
9:44:34
